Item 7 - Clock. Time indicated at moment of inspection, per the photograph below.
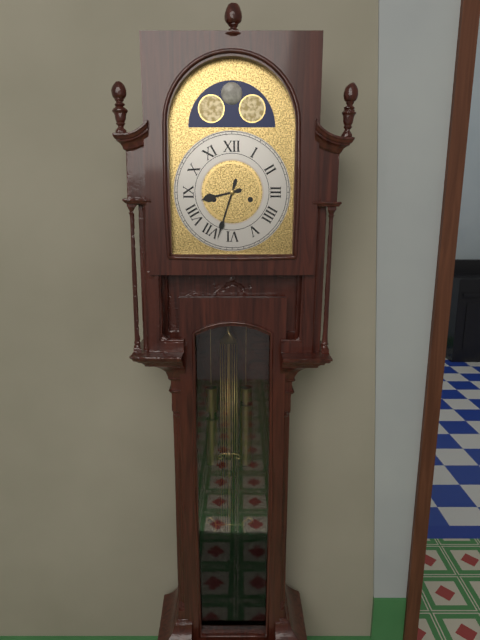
8:33
